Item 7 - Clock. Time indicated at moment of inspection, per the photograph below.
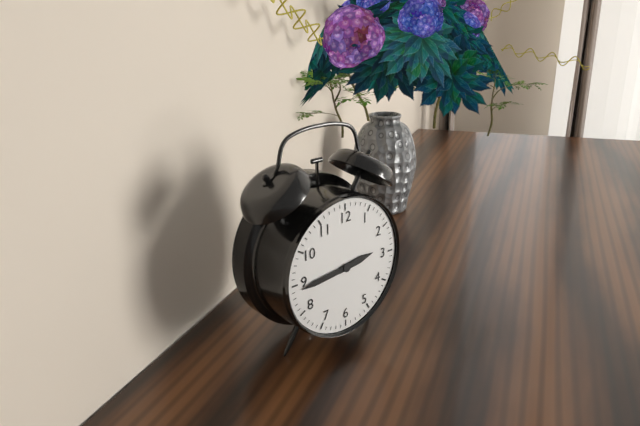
2:44
